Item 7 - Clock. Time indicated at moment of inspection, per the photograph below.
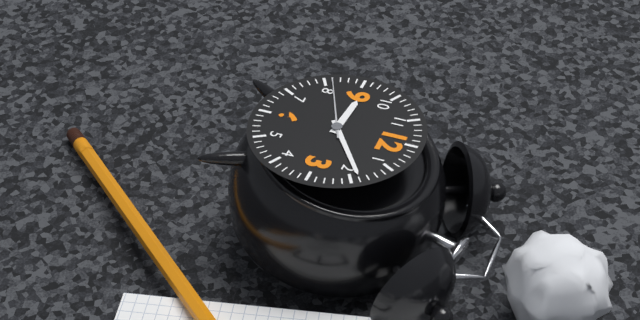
9:09:41
